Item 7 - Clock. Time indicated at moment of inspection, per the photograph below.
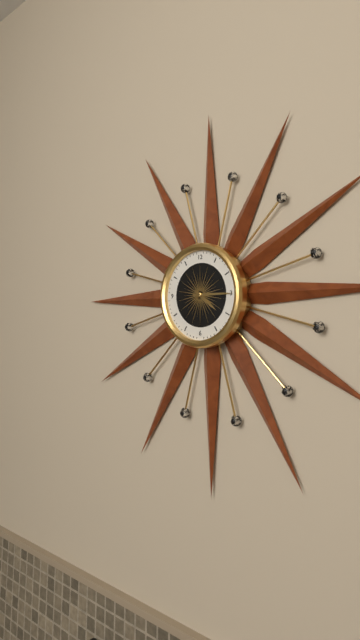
4:15
